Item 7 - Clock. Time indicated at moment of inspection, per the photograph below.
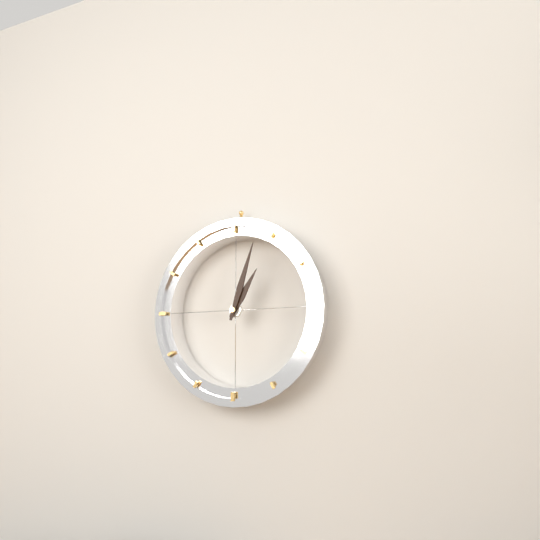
1:03
